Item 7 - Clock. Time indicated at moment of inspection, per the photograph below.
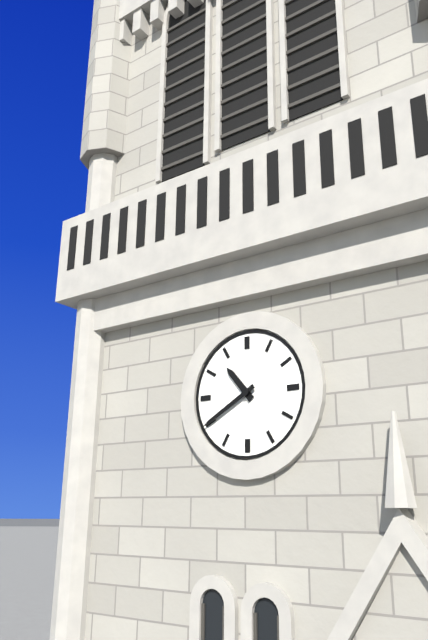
10:40
